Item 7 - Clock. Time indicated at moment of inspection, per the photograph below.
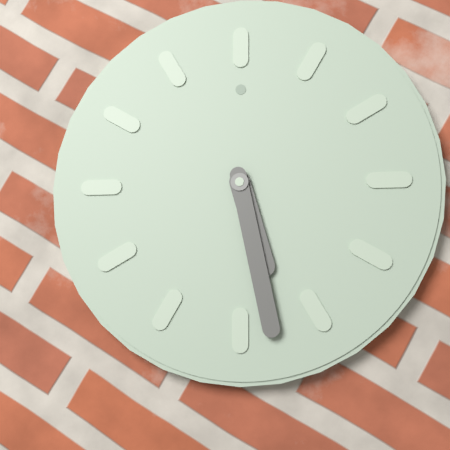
5:28
